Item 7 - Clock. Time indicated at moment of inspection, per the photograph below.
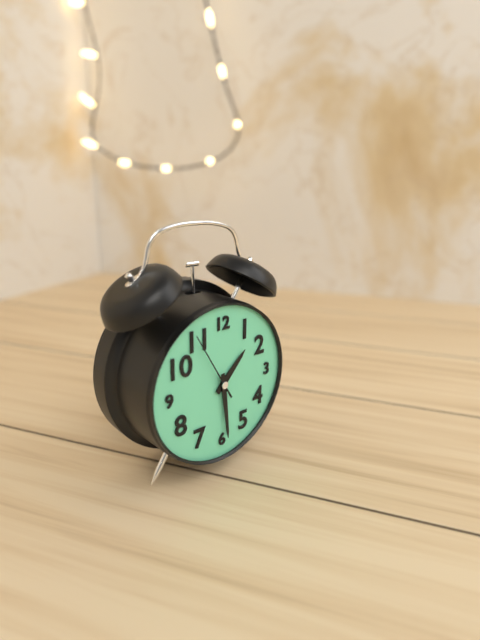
1:29:55
